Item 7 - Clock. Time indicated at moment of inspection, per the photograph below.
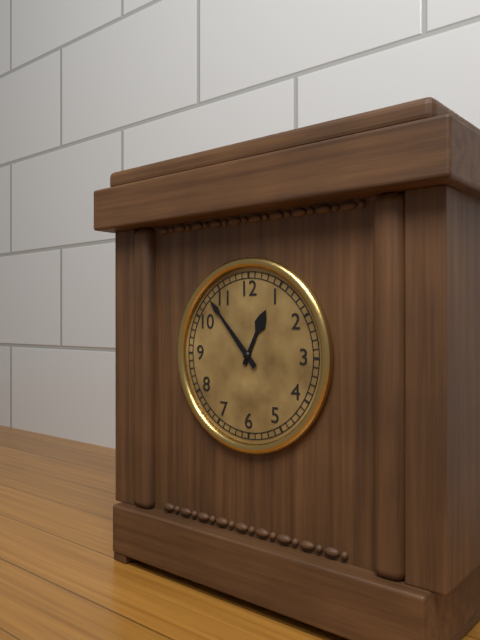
12:53
